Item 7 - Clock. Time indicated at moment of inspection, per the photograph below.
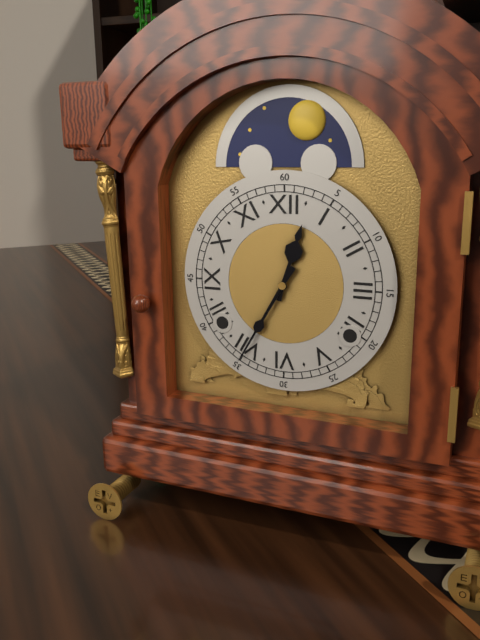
12:35
